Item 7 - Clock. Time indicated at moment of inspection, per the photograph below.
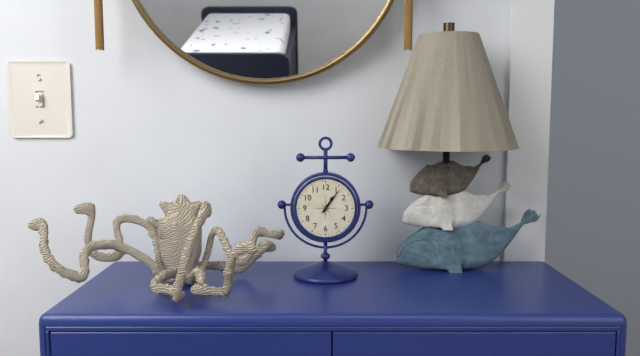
1:06
